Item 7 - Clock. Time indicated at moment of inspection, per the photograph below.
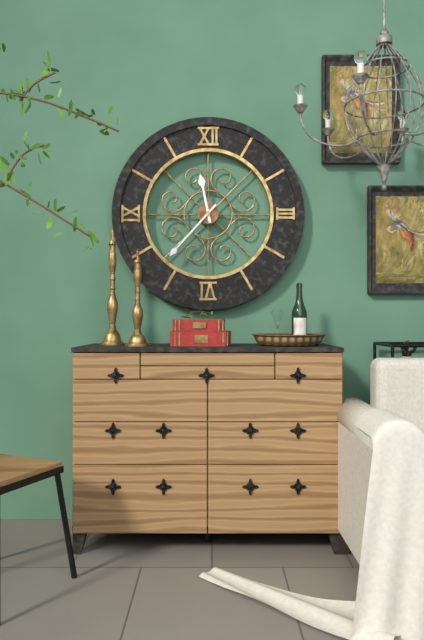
11:37
